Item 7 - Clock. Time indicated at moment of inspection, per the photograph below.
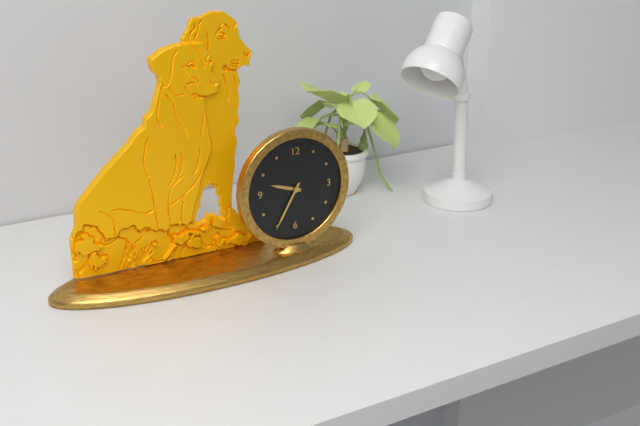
9:35
